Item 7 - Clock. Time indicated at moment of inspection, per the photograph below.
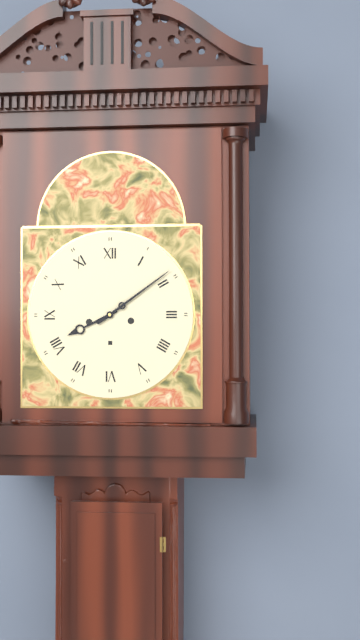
8:09
